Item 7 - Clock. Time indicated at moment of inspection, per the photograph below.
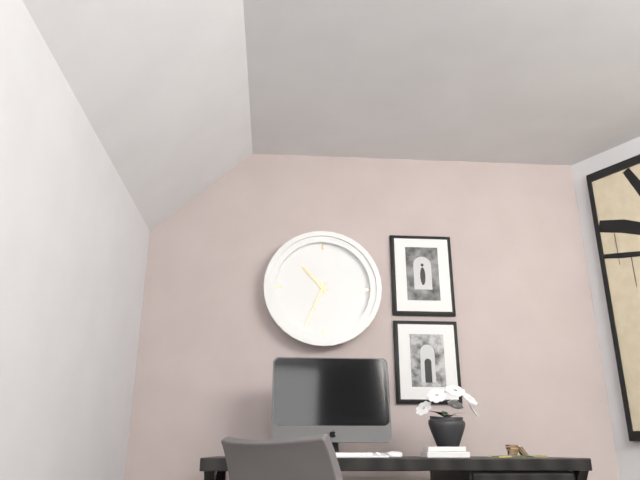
10:34
